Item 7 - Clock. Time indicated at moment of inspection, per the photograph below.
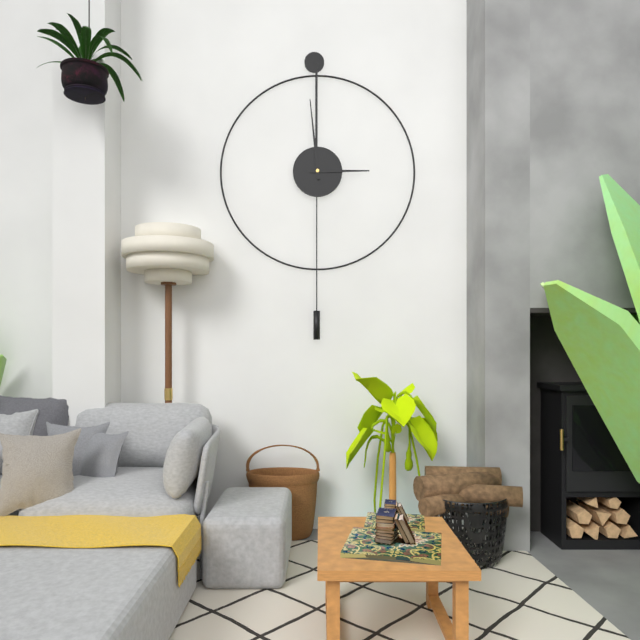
2:59
